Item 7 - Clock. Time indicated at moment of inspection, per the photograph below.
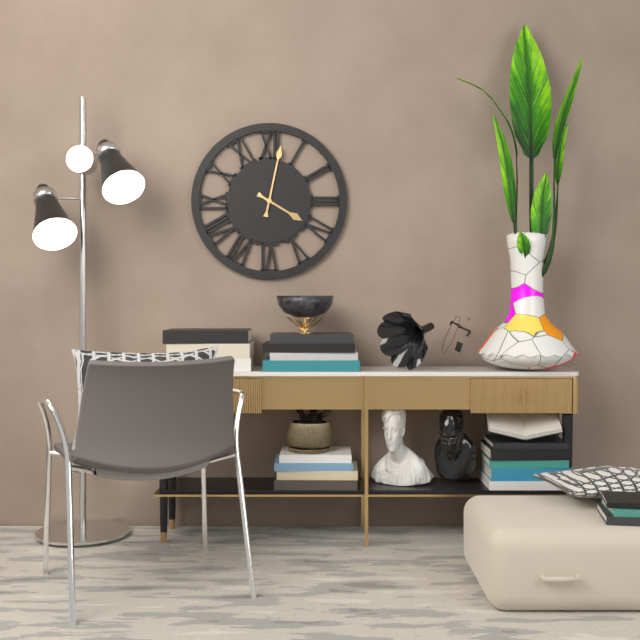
4:02
